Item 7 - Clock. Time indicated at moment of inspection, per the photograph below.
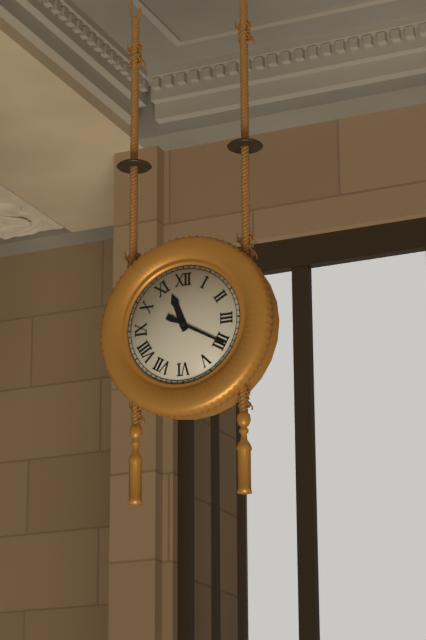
11:20
